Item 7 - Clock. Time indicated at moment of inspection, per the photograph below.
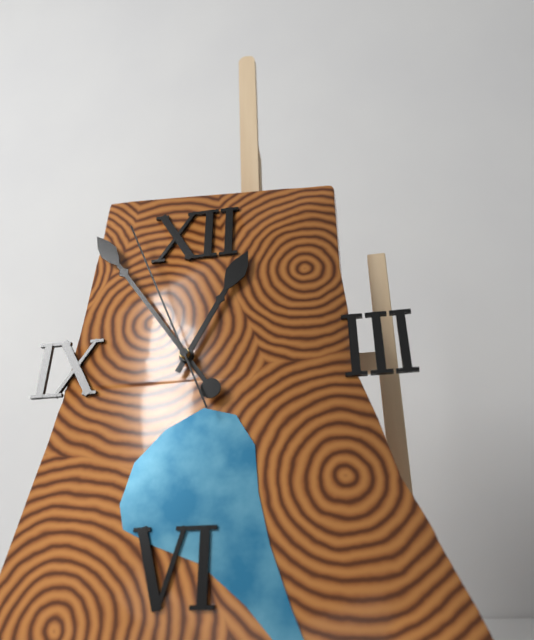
12:54:56
